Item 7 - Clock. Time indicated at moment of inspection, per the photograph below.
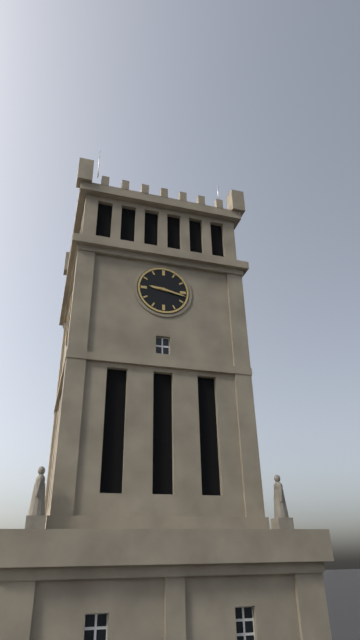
9:17
